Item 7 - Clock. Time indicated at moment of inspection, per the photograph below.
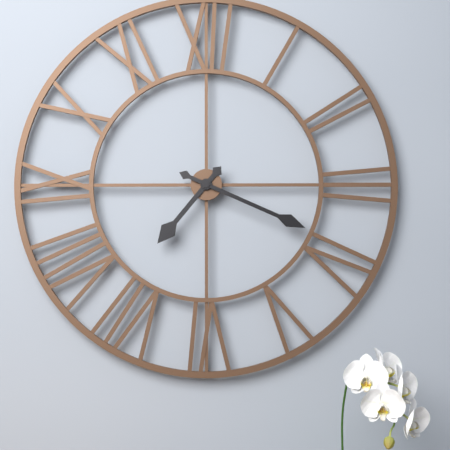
7:19
